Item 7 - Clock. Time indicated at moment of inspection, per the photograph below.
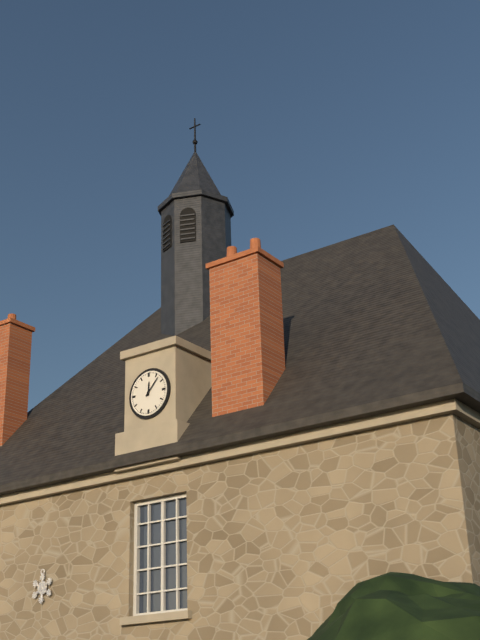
12:07
